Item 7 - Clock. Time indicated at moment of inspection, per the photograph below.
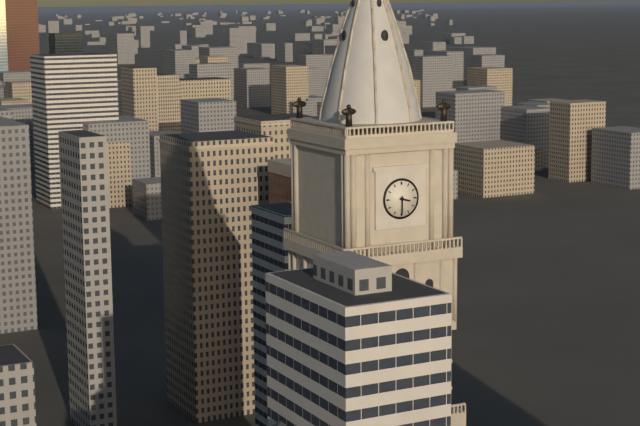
3:30
